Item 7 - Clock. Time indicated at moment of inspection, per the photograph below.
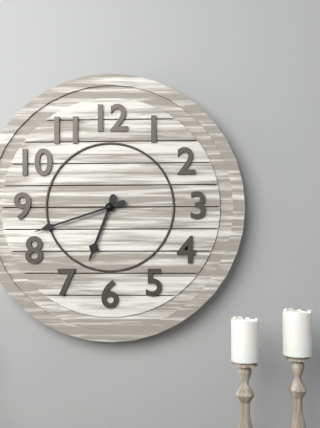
6:42
